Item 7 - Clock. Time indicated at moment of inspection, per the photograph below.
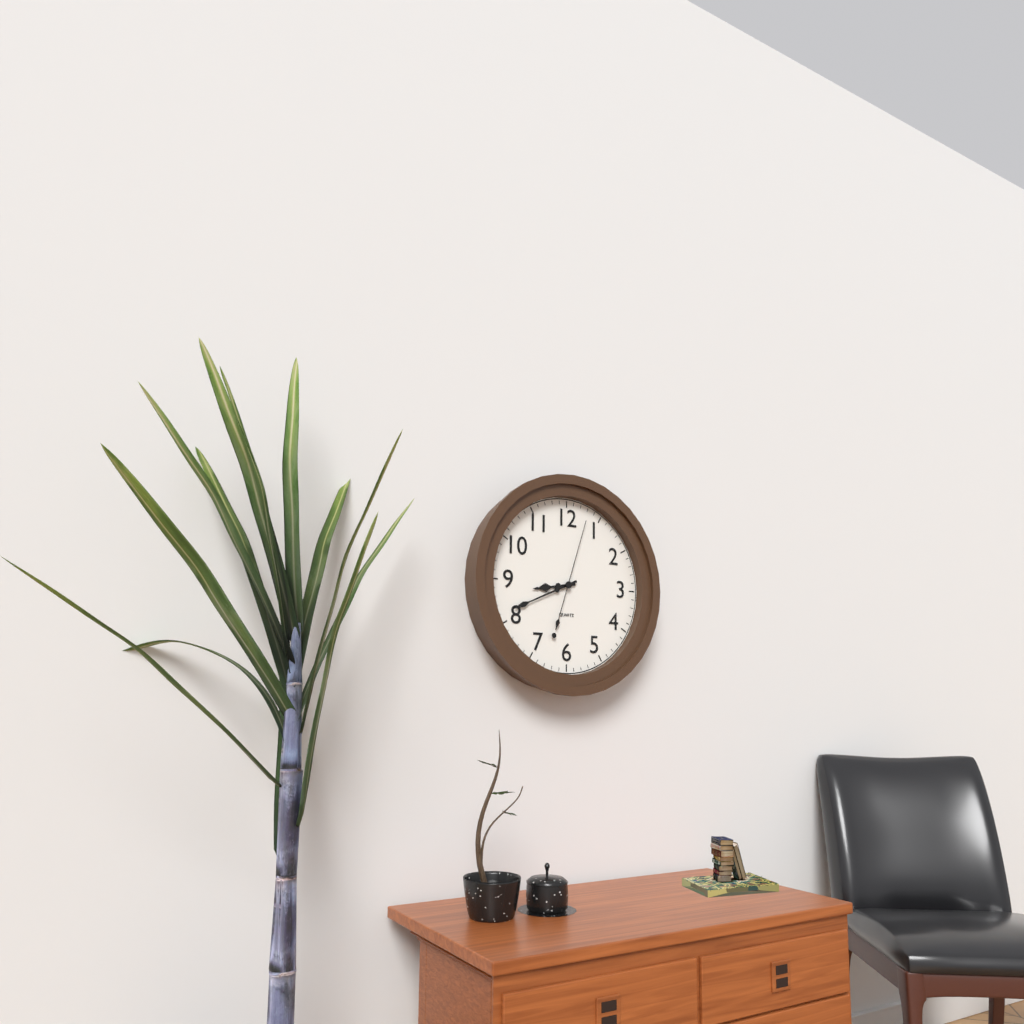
8:41:03
